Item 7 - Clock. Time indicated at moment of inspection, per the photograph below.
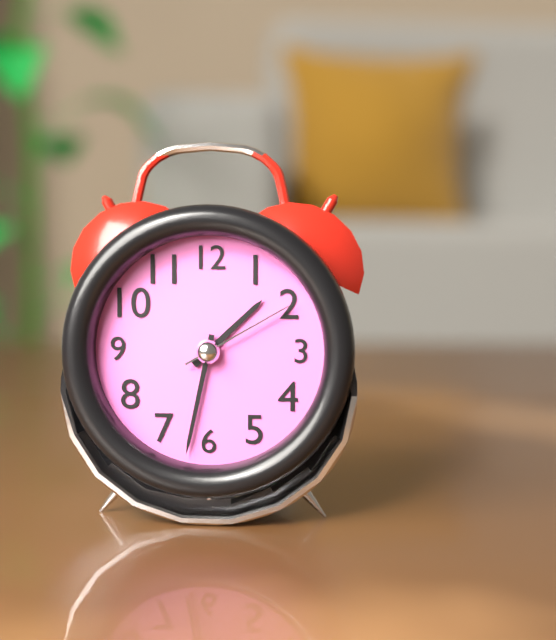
1:32:10
